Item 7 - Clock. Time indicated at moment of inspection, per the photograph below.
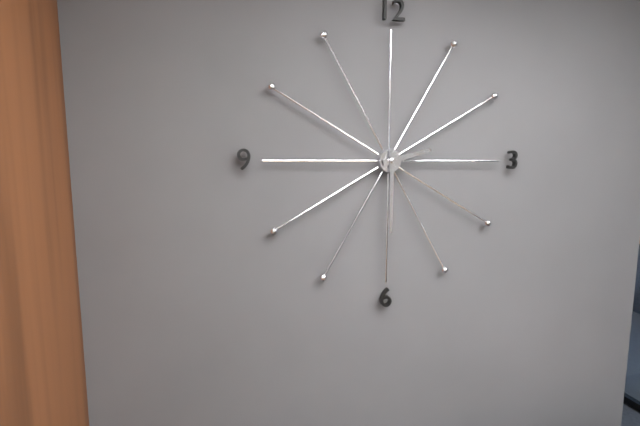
2:30
